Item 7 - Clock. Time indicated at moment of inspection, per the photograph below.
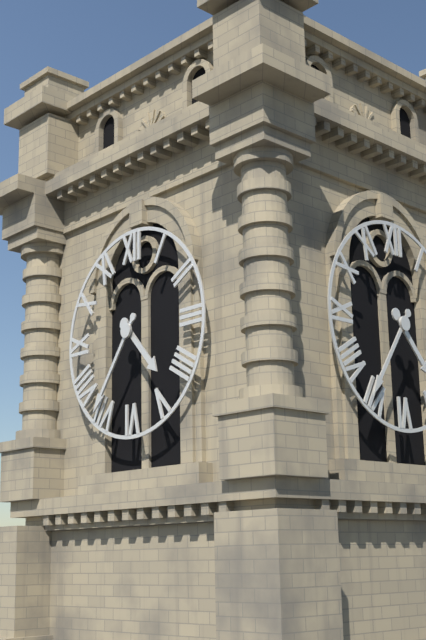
4:36
